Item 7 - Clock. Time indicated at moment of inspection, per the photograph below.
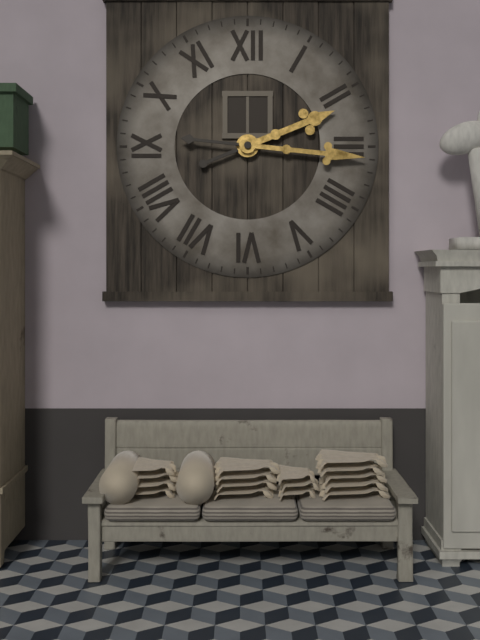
2:16
